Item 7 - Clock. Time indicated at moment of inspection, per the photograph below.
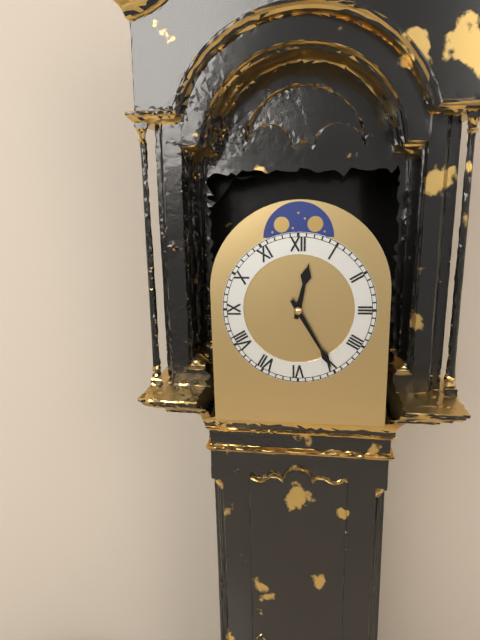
12:25
